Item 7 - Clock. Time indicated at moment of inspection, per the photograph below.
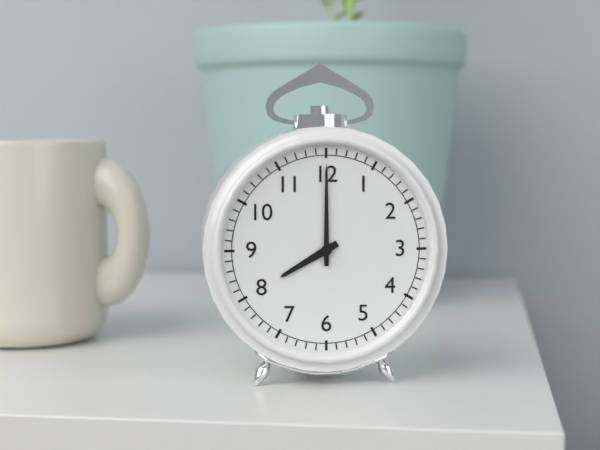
8:00
